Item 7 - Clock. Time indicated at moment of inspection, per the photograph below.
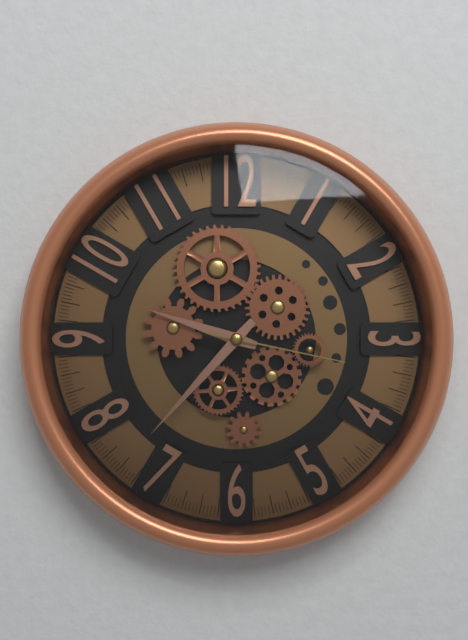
9:37:17
